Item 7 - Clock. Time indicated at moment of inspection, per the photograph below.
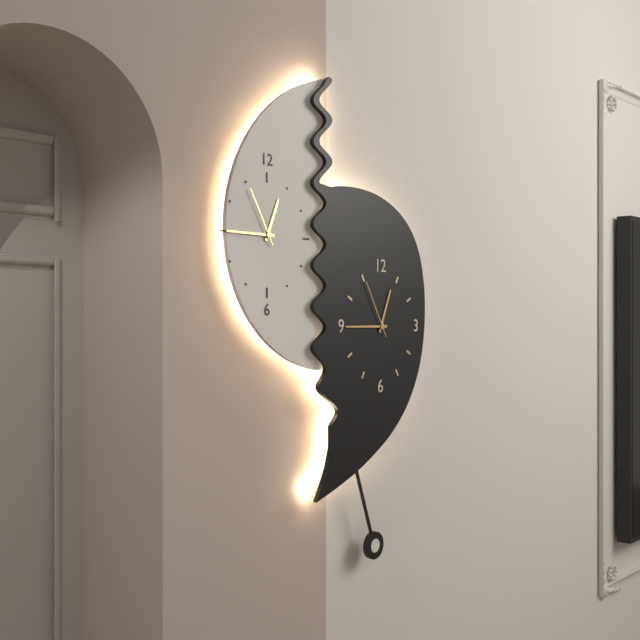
12:45:55
